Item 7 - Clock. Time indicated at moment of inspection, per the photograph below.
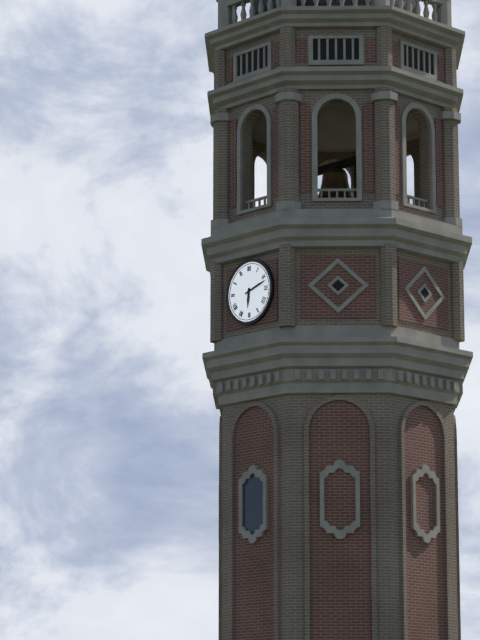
6:12
